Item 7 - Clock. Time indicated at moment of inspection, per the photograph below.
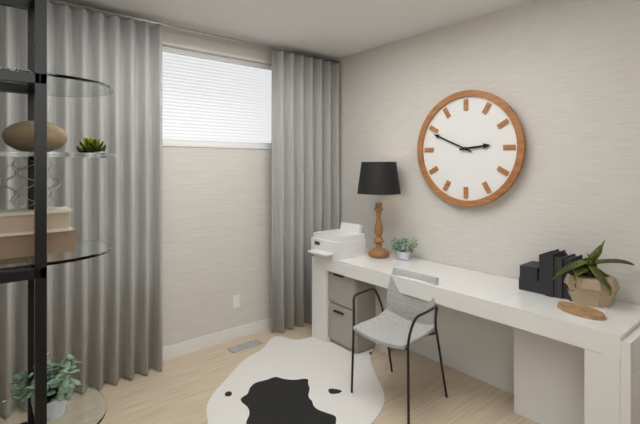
2:49
